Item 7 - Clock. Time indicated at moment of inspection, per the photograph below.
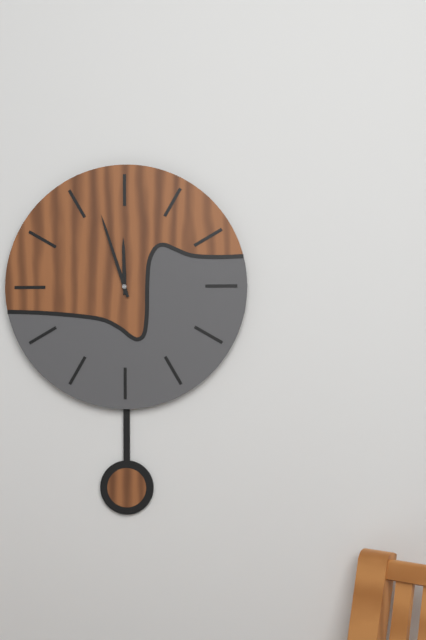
11:57
